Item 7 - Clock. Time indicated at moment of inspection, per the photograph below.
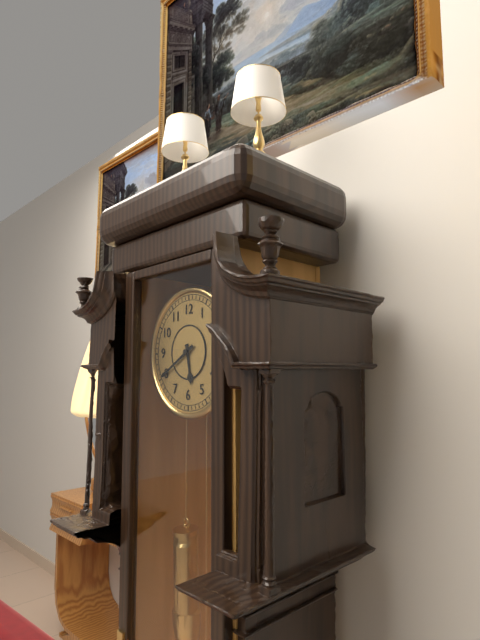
5:40
